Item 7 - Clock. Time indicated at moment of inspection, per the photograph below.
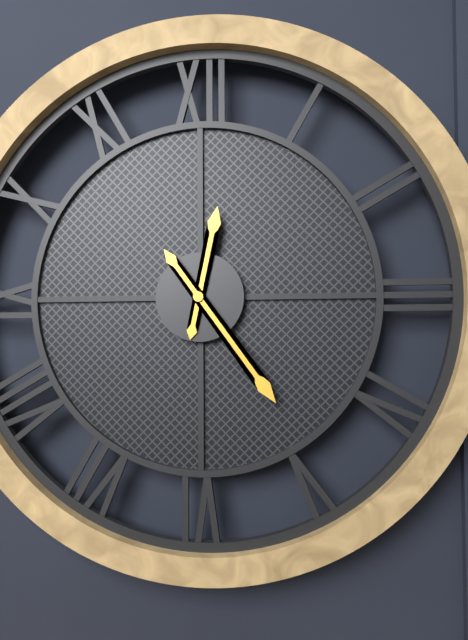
12:24
